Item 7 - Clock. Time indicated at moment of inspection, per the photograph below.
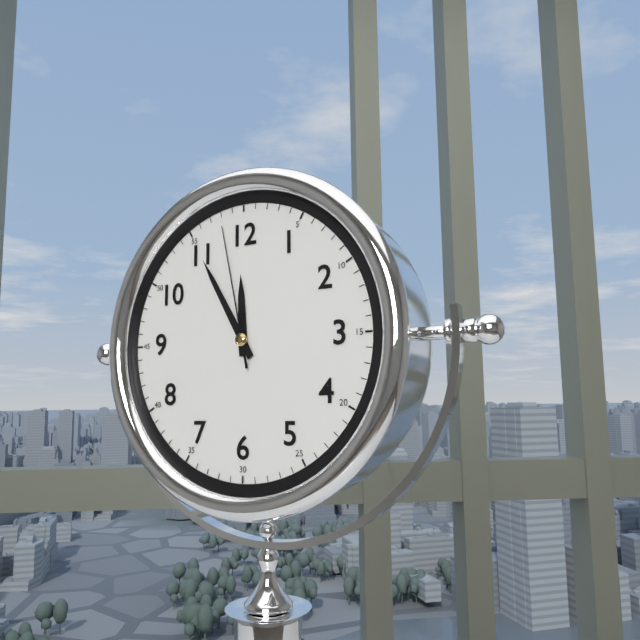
11:55:58
